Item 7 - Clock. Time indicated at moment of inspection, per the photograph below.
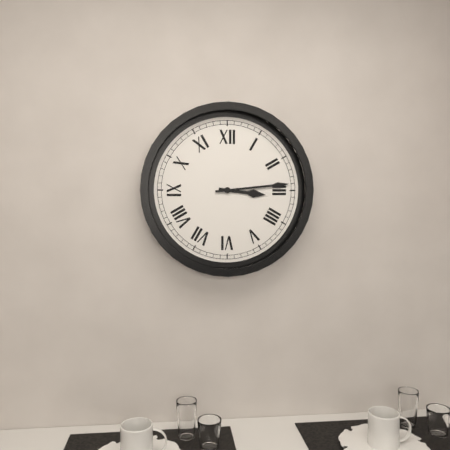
3:14
